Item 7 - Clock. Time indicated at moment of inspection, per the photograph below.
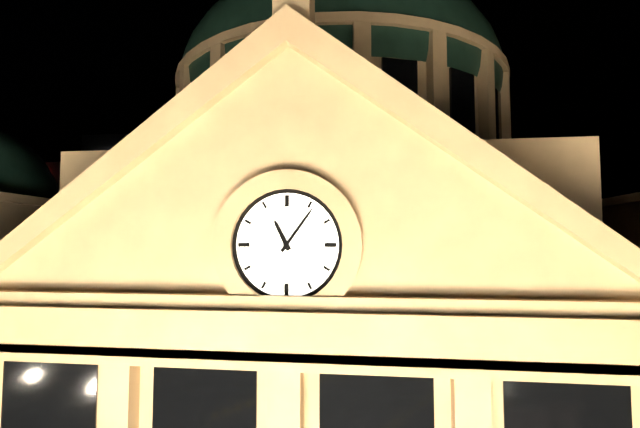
11:06
